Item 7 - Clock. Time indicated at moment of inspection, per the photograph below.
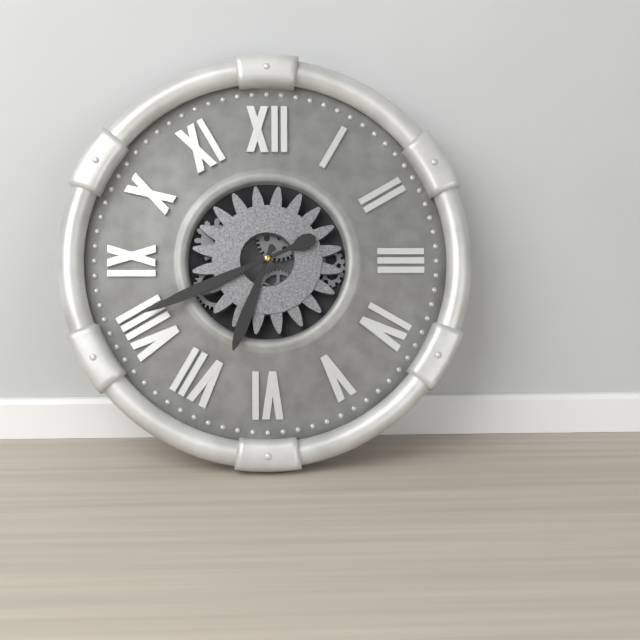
6:41
